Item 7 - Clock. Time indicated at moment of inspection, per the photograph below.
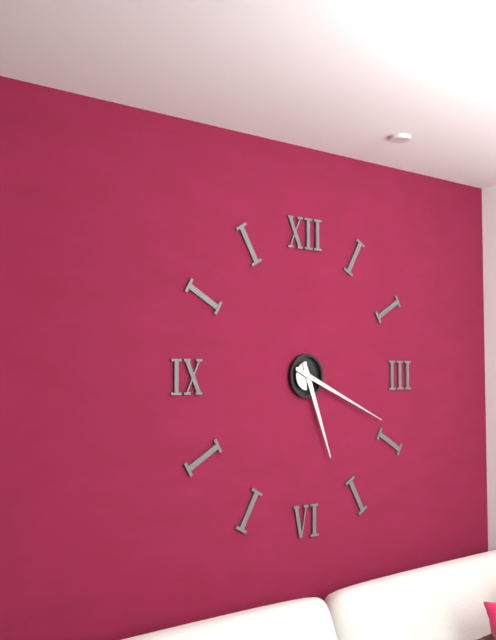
5:19
